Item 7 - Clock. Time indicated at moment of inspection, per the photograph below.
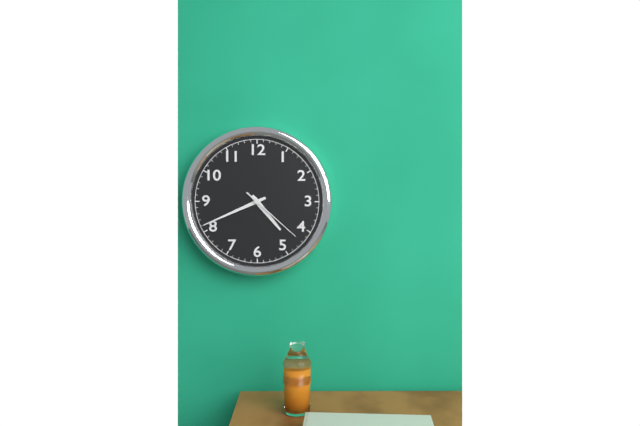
4:41:22
